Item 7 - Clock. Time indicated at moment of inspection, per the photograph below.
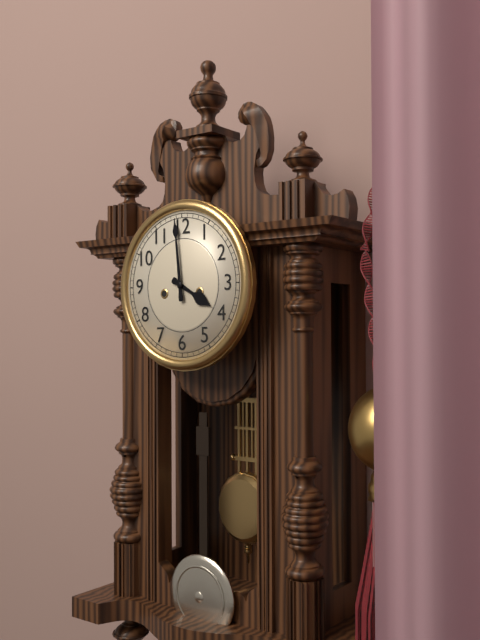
3:59
